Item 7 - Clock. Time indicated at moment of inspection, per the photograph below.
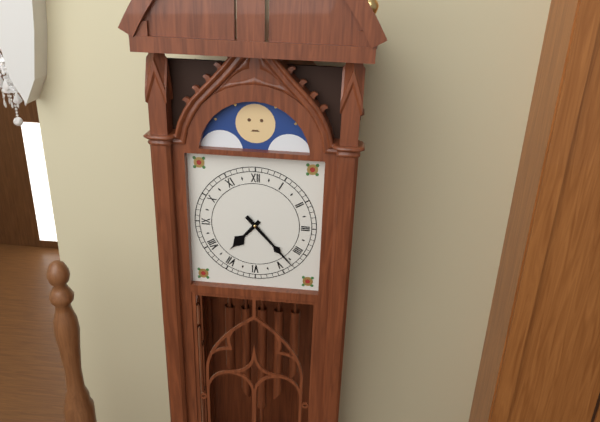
7:23
